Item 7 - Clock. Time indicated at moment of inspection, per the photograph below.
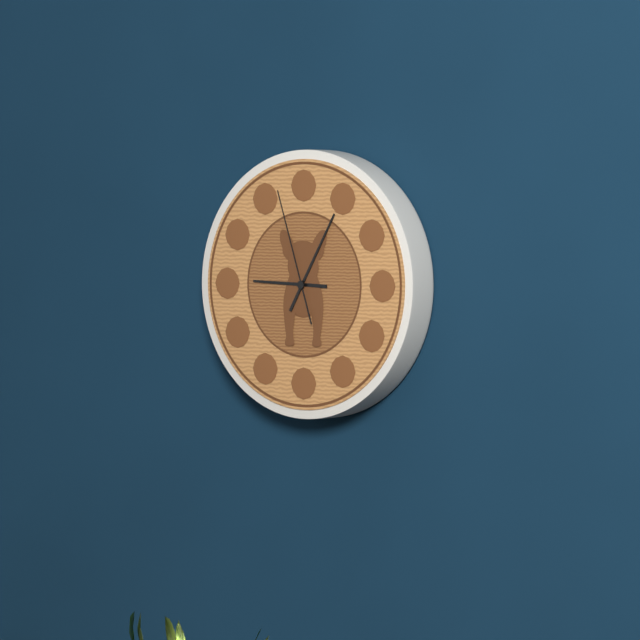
9:05:57
